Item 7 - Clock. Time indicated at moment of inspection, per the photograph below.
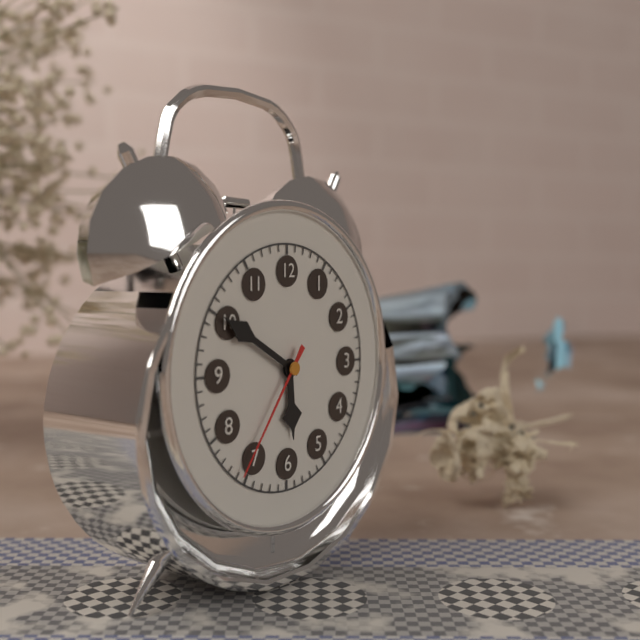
5:50:36
